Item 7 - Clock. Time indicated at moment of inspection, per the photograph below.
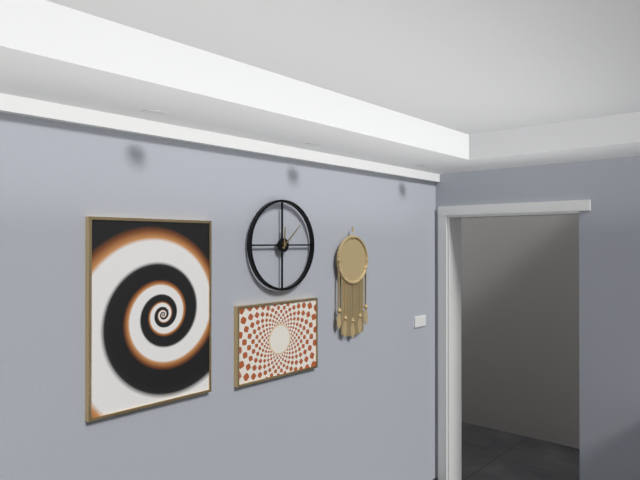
12:08
